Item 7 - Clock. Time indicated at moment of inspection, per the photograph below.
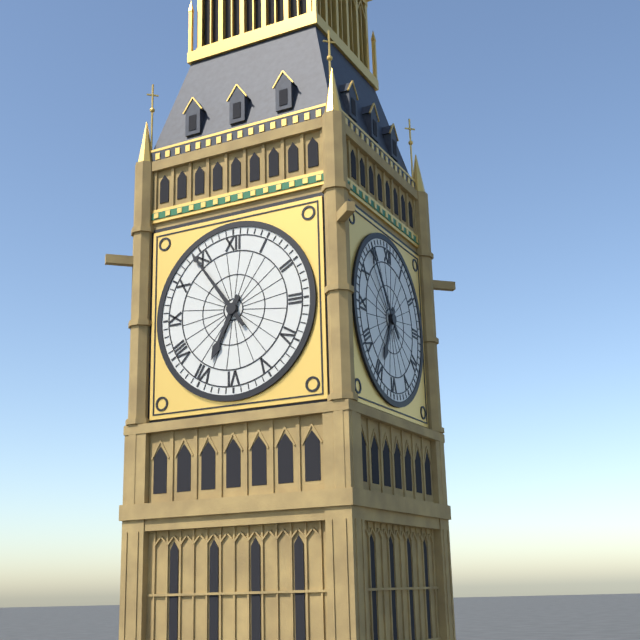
6:54
